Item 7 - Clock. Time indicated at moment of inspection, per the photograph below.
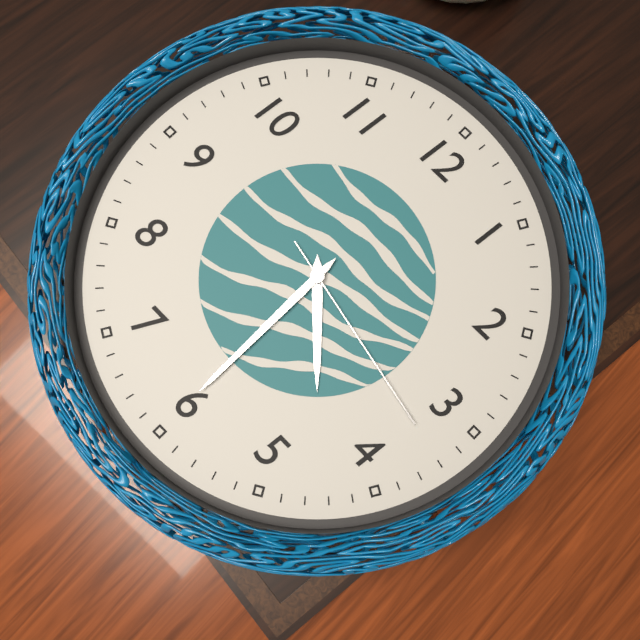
4:30:17
